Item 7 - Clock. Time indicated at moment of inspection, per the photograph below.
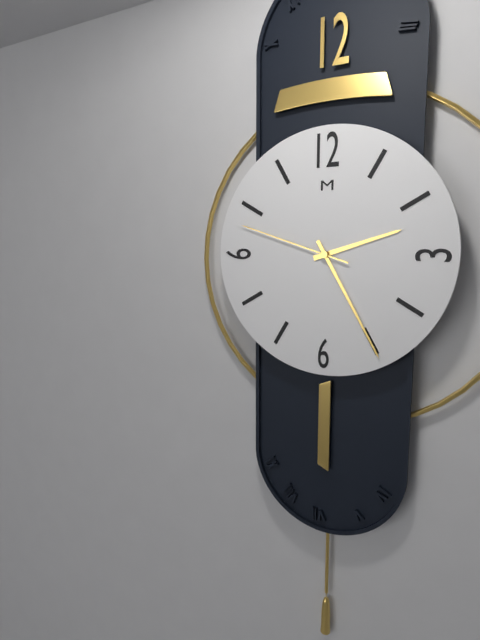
2:25:48
